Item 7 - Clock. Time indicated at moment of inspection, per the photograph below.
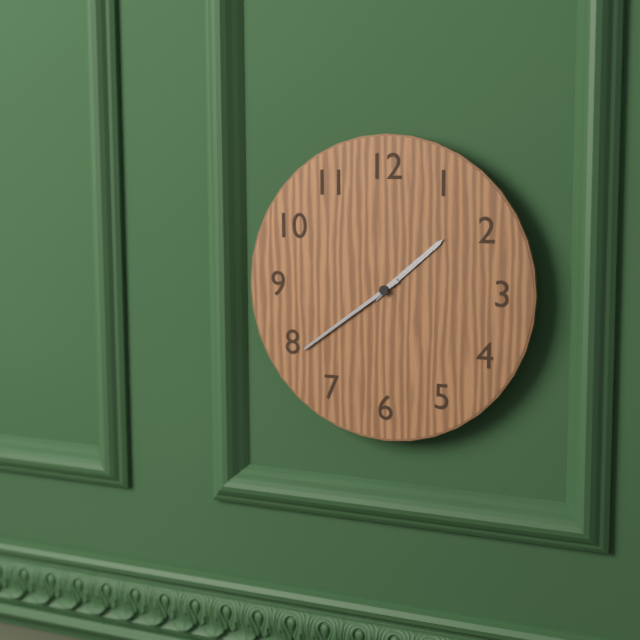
1:39
